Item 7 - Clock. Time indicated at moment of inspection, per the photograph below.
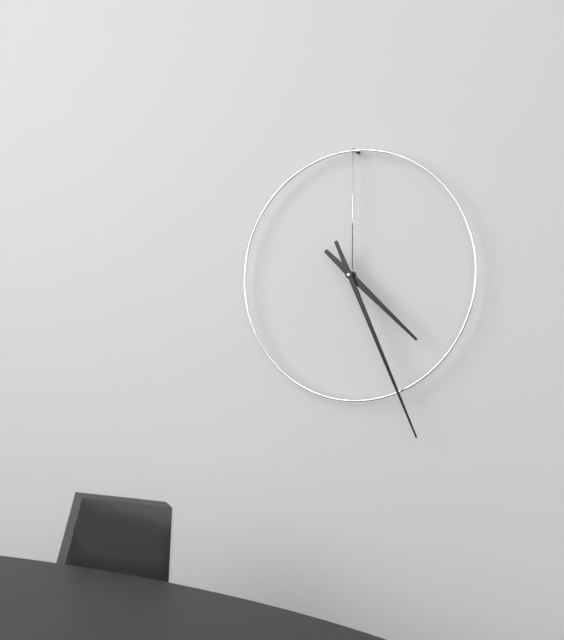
4:26
